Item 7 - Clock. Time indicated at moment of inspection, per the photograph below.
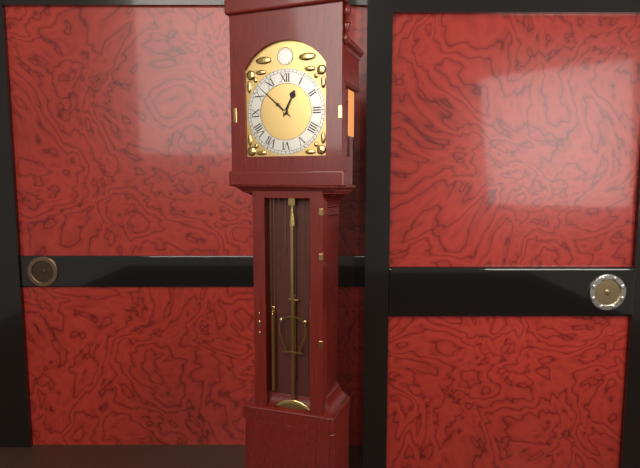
12:52
